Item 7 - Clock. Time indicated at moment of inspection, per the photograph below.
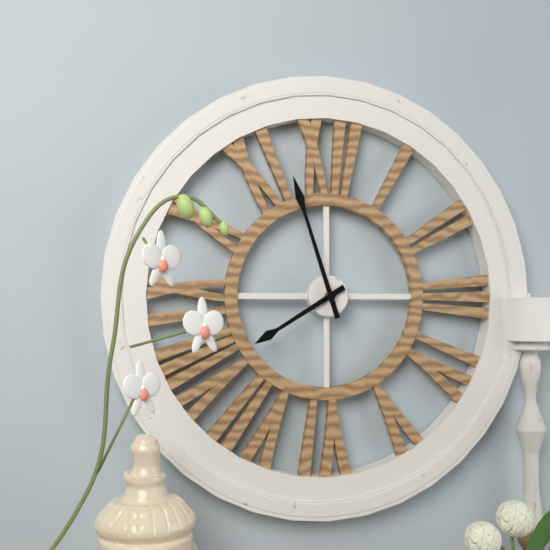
7:57
